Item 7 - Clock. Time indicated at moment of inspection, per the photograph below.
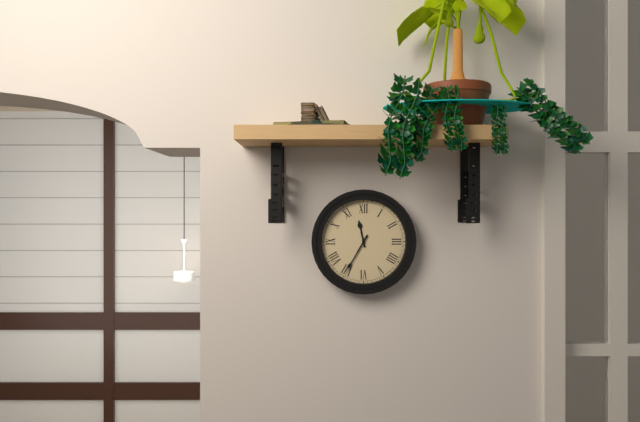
11:35
